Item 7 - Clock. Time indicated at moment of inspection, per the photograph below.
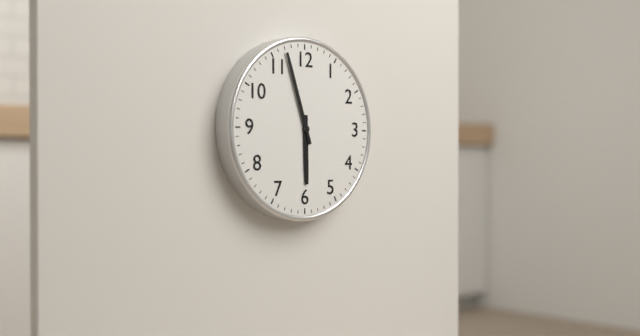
5:57
